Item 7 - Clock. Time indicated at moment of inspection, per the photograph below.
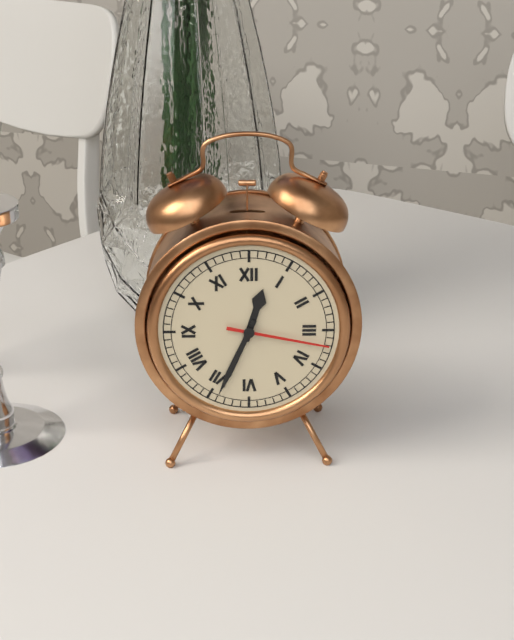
12:34:17
